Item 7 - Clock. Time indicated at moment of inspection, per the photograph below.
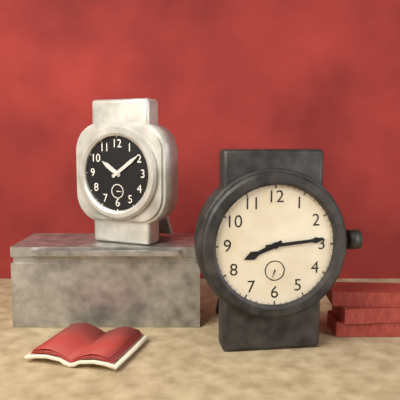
8:14
